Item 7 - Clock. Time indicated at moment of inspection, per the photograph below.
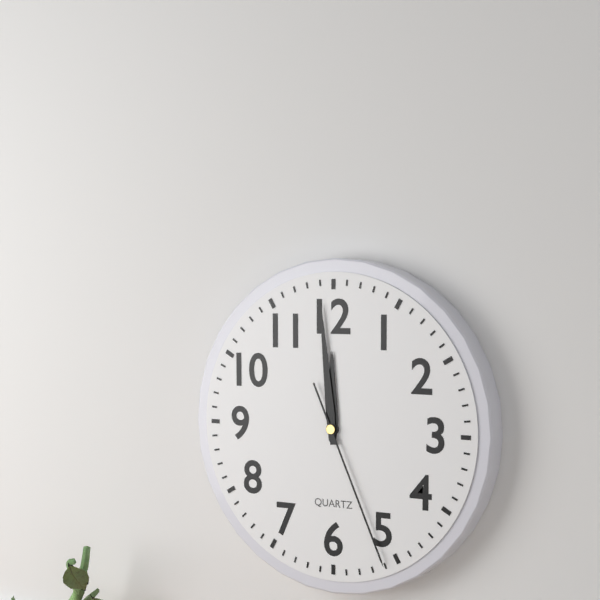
11:59:26
